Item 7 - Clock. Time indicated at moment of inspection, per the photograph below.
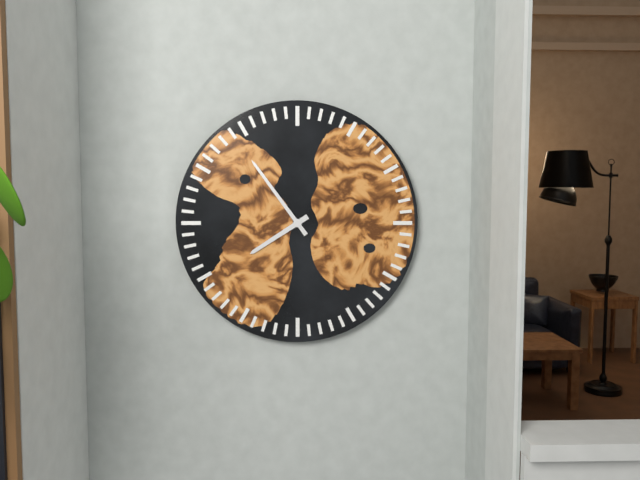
7:54
